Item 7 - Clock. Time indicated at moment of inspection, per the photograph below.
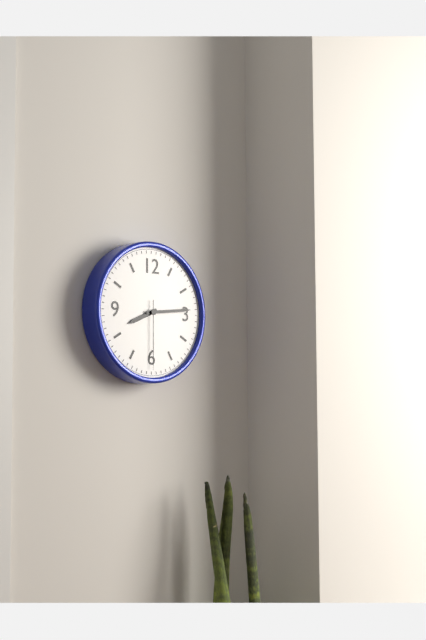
8:14:30
